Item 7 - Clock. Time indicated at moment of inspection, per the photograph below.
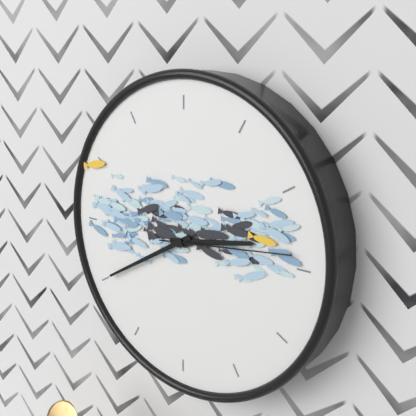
2:40:14
